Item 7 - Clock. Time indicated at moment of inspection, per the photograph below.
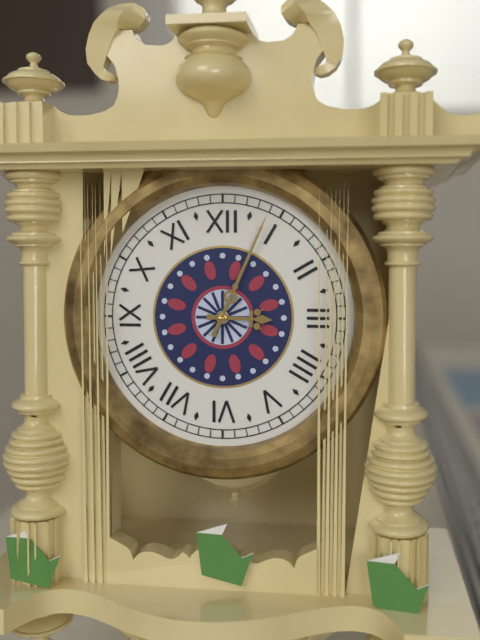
3:04
